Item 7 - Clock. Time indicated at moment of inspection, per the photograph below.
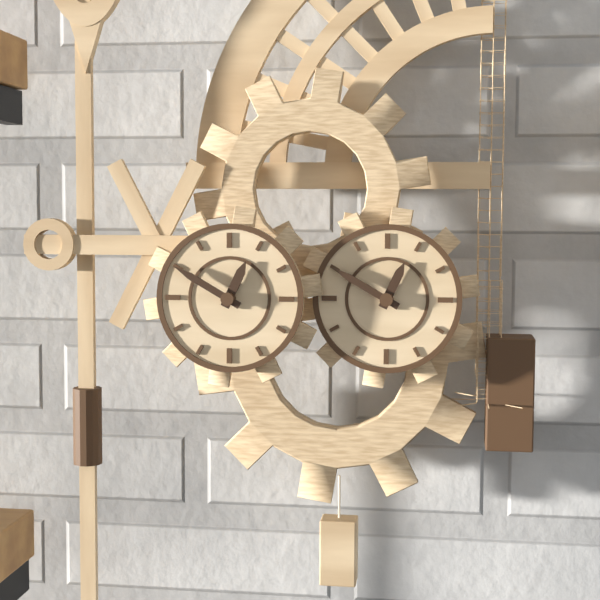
12:50
